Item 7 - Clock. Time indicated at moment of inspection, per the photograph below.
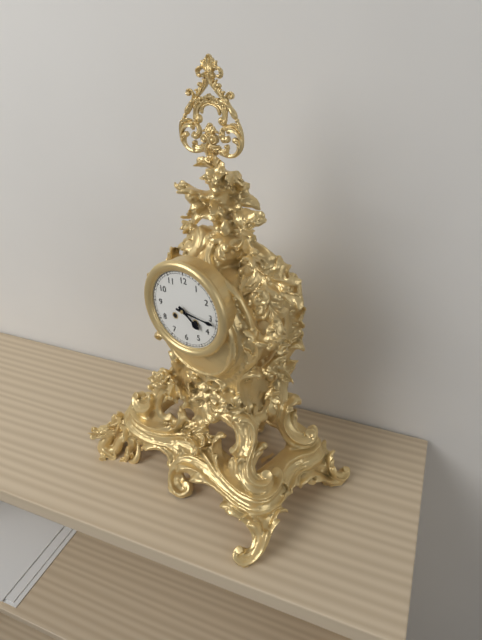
4:16
